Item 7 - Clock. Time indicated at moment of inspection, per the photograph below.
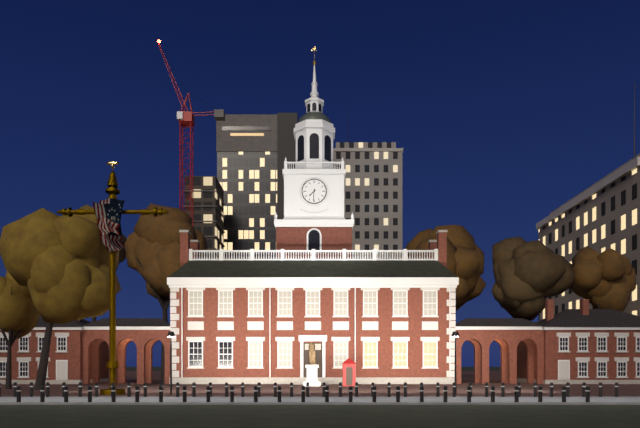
7:31
